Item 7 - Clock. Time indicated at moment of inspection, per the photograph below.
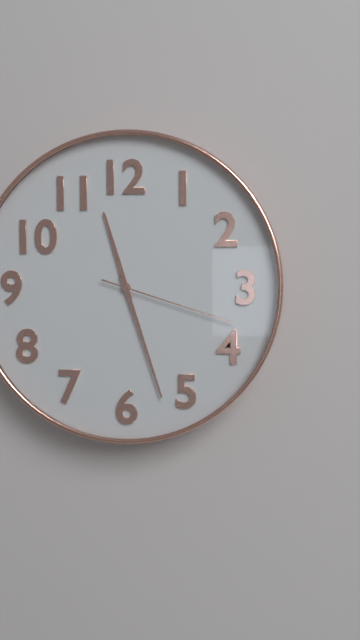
11:27:18
